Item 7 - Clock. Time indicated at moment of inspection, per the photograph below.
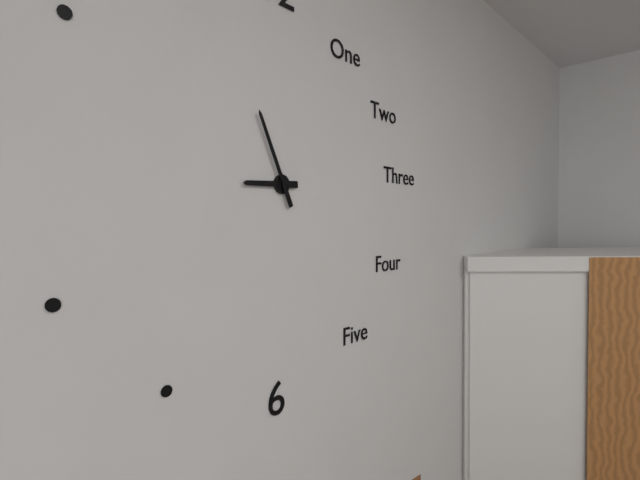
8:56
